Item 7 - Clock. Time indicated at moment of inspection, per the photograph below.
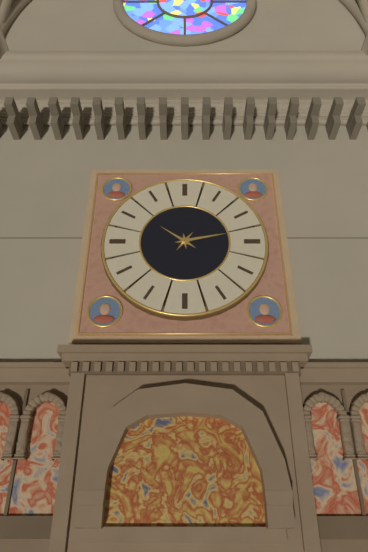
10:13
